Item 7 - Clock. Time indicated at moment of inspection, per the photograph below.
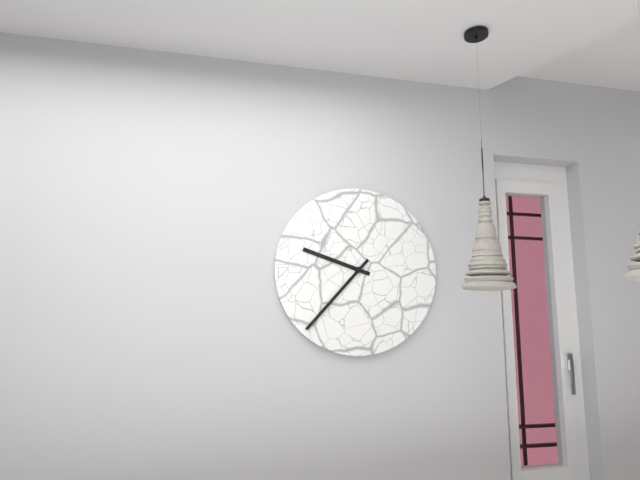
9:37
